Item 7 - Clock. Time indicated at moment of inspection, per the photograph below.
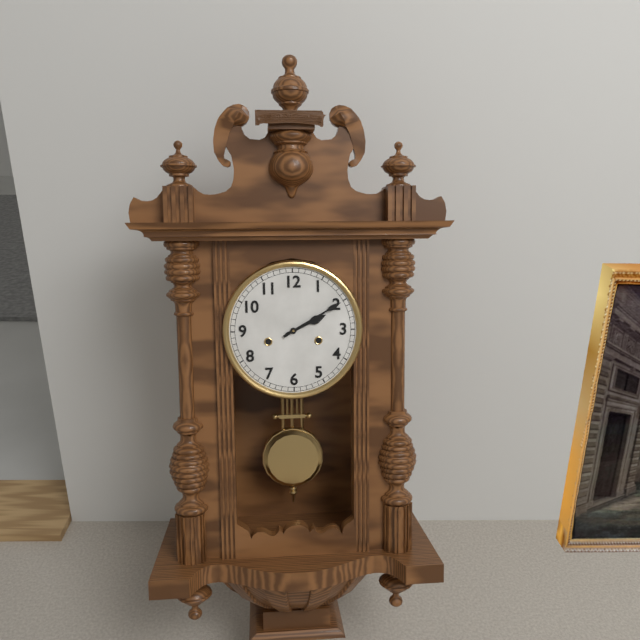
2:10
